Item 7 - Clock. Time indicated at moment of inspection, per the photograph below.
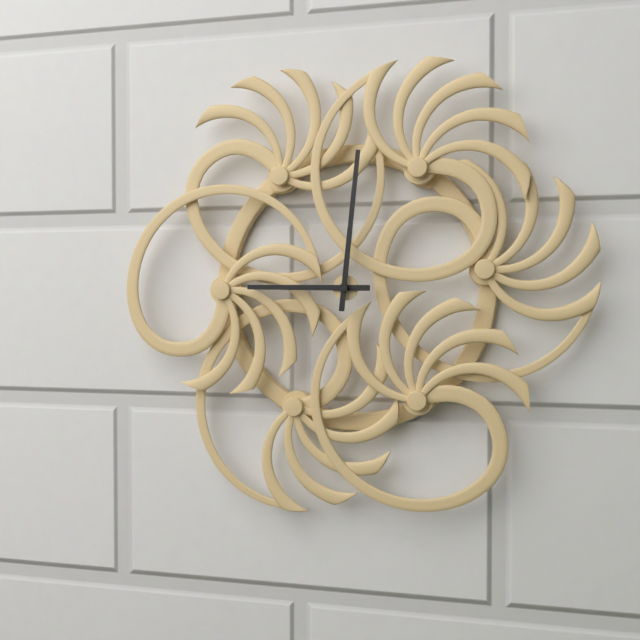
9:01
